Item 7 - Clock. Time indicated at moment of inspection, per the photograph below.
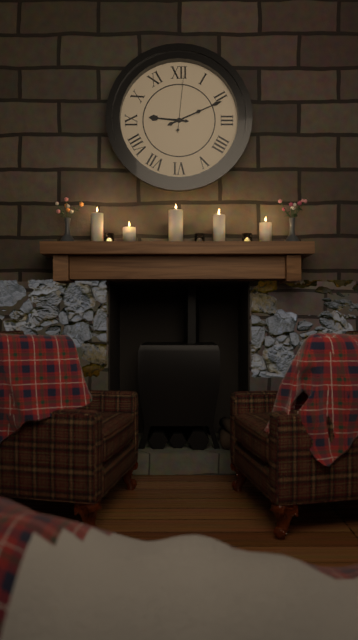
9:11:01
